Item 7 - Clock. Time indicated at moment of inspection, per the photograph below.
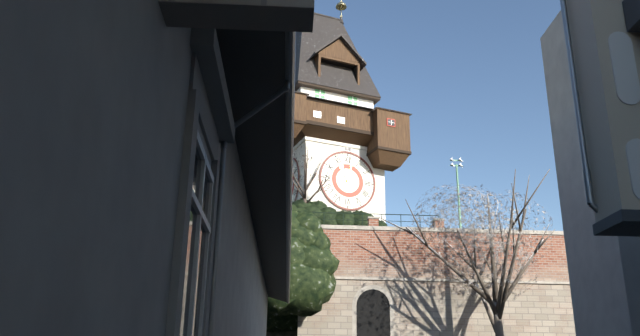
11:02
